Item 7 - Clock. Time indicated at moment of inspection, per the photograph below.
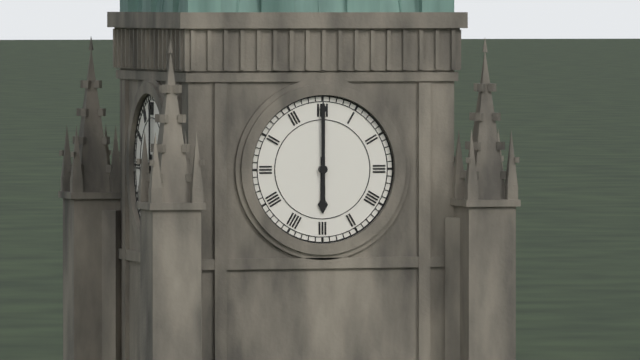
6:00
